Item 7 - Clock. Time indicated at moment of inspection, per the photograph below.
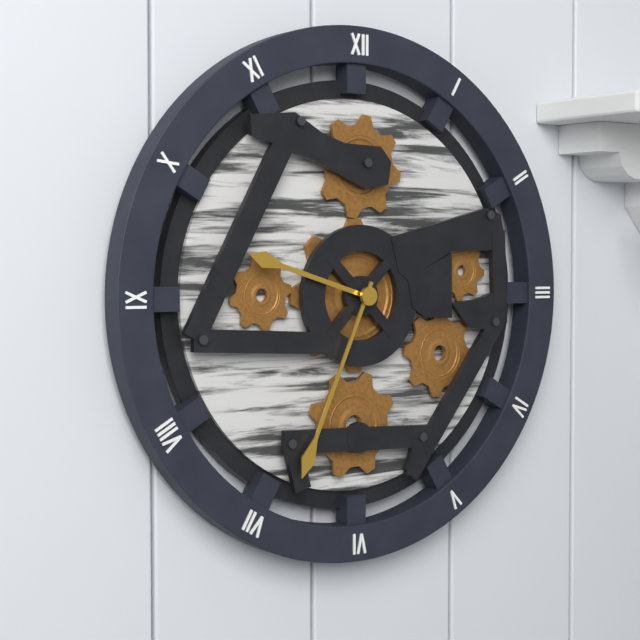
9:34
